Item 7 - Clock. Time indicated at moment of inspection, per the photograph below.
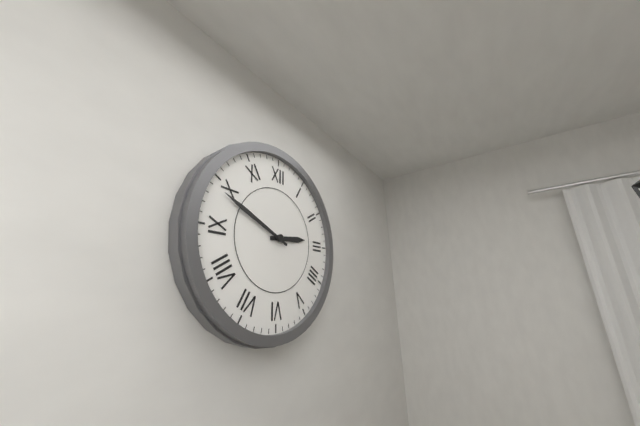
2:49
